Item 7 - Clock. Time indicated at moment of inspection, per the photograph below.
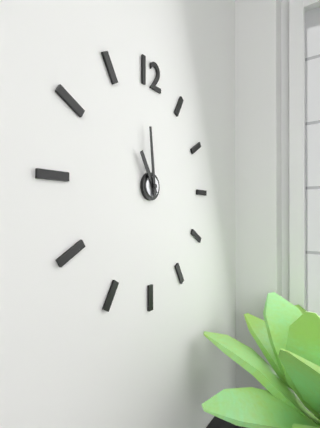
10:59
